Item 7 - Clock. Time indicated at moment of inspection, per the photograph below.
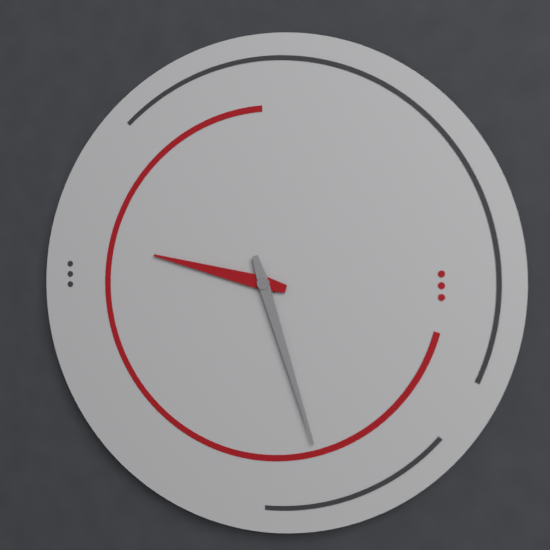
9:27
